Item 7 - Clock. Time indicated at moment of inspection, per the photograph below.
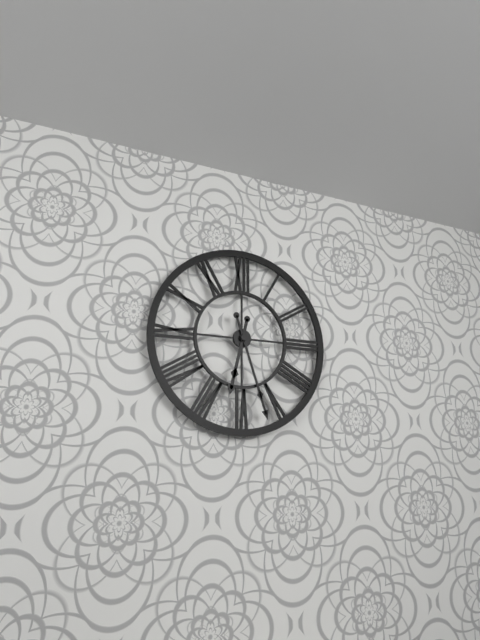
6:27
